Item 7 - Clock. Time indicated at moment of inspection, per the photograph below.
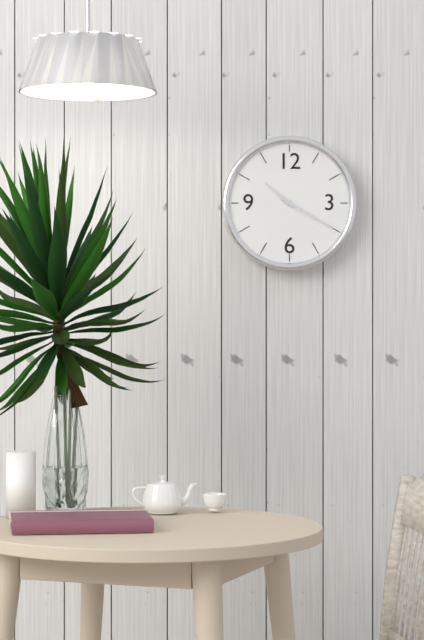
10:20
